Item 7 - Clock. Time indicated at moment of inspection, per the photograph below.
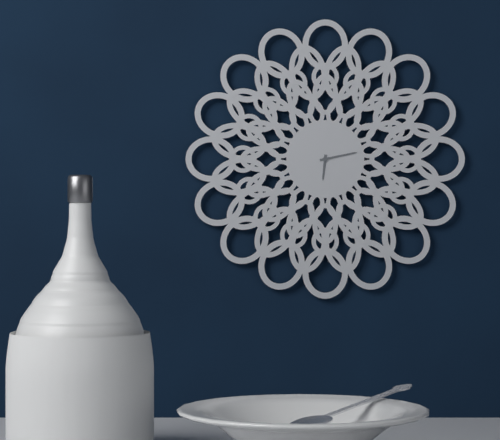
6:13
